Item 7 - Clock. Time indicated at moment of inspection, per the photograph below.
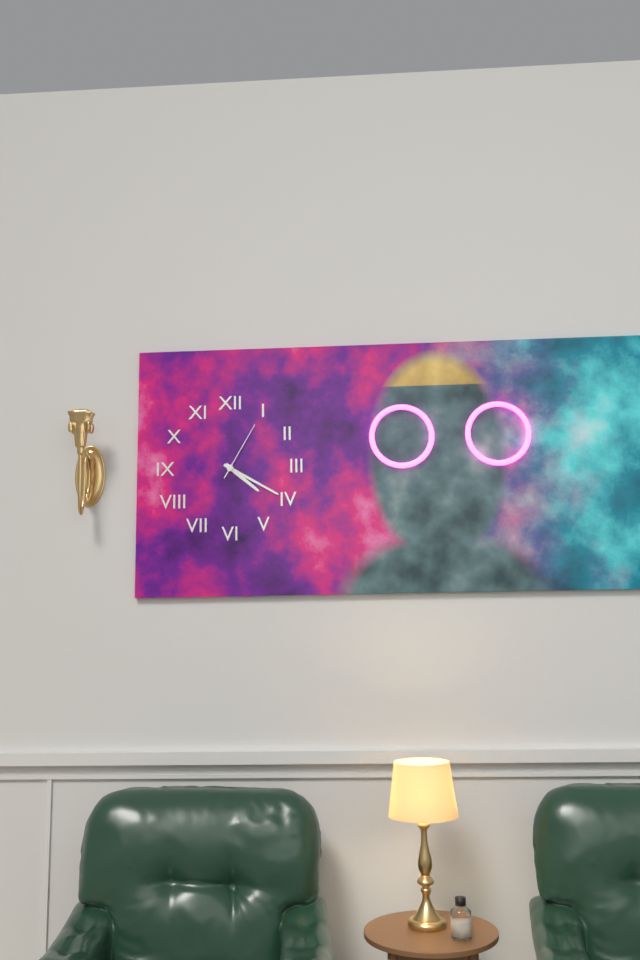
4:20:05
